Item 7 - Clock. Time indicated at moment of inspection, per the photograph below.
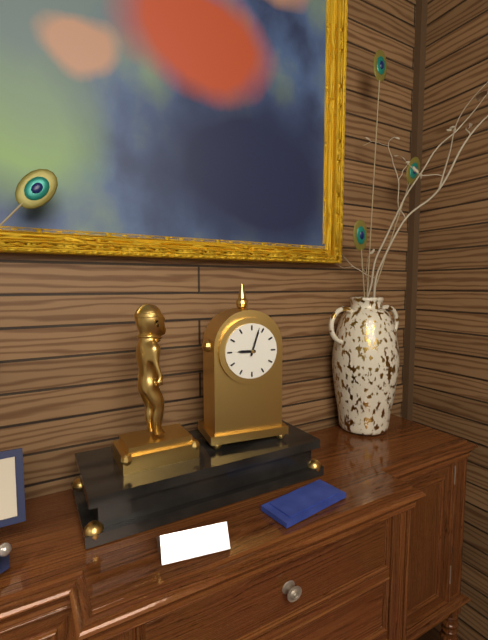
9:03
